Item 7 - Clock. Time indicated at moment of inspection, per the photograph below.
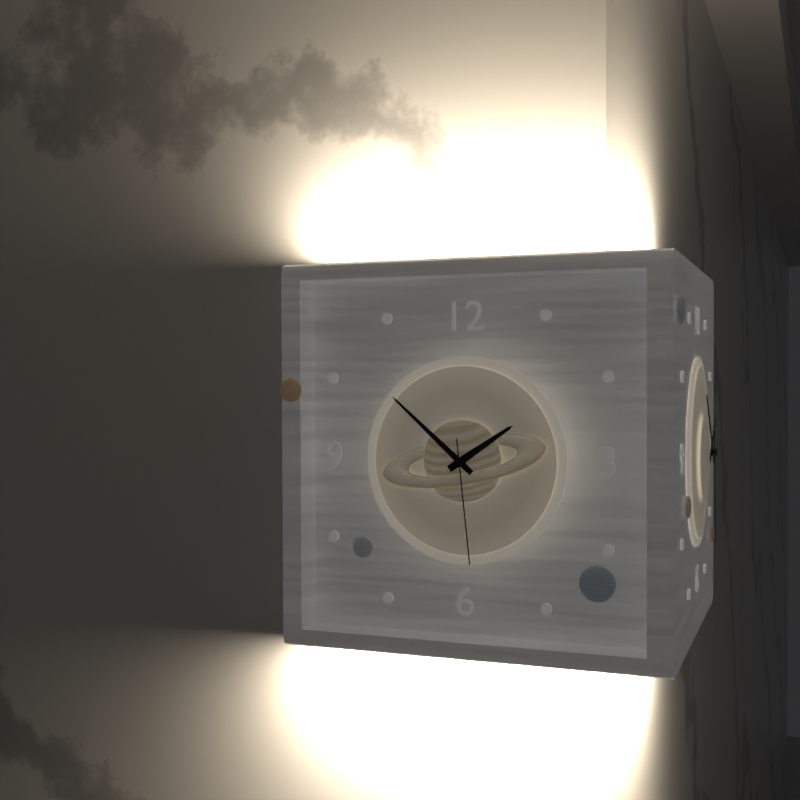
1:52:29
